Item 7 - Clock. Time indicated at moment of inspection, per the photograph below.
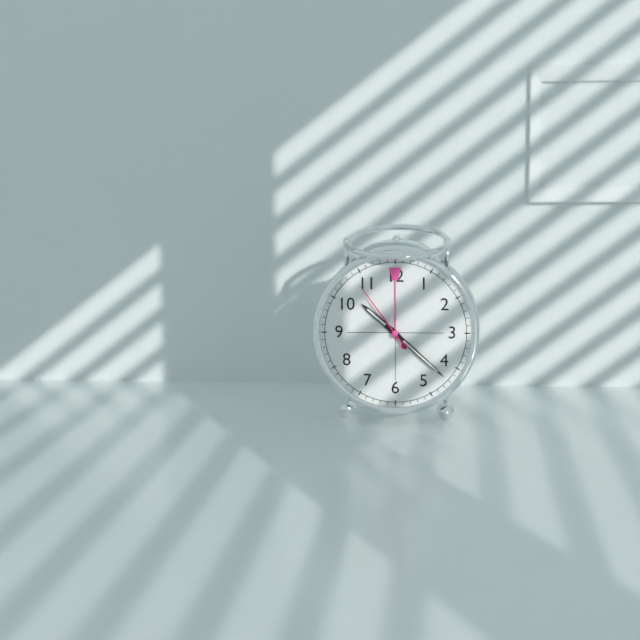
10:22:54
